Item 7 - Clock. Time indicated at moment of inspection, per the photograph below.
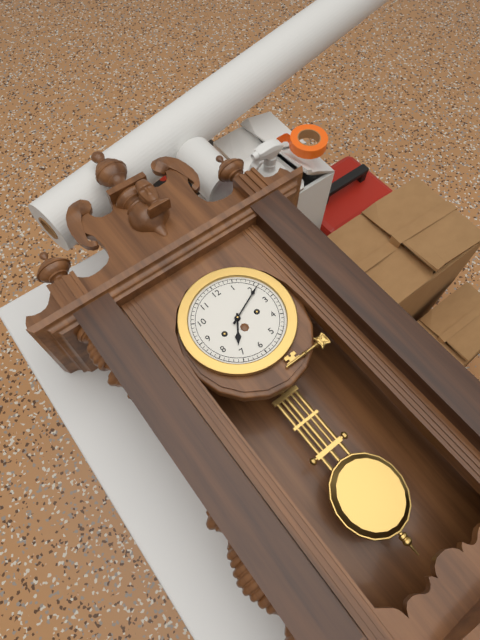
7:11
